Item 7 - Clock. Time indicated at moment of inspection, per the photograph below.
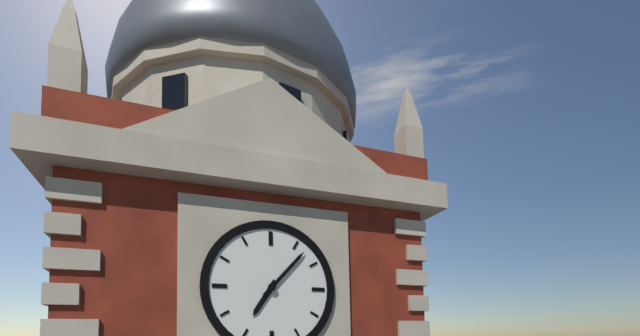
7:07
